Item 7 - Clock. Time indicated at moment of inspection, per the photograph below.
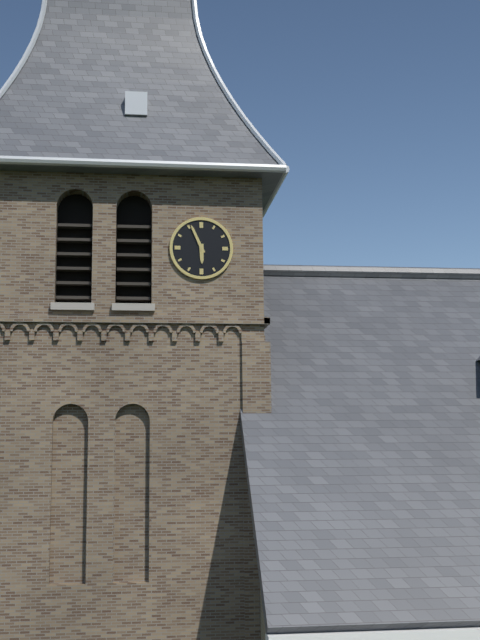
5:56
